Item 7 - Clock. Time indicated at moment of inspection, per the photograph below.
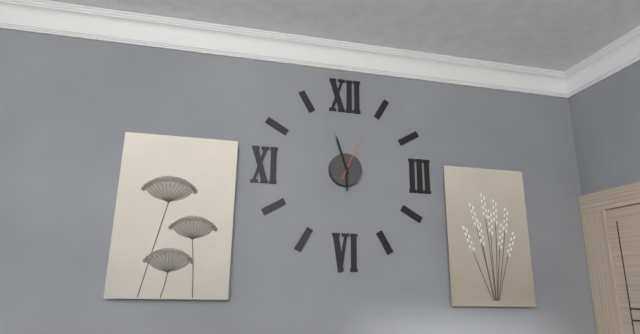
5:57
